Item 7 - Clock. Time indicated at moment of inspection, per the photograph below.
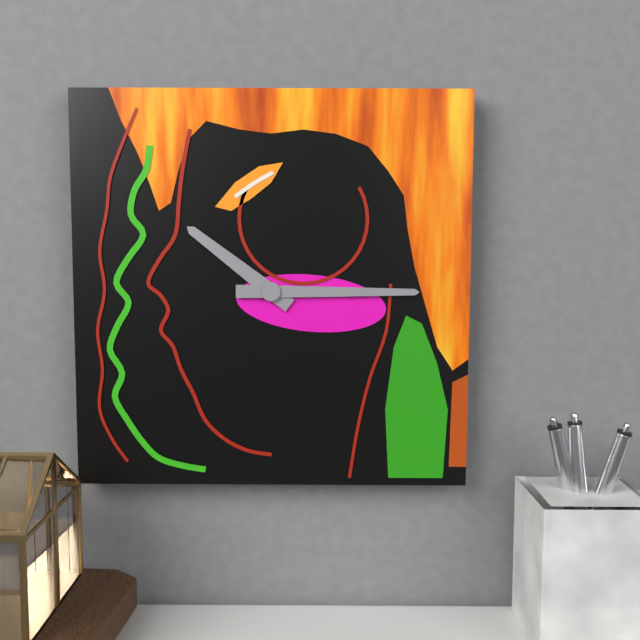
10:15
